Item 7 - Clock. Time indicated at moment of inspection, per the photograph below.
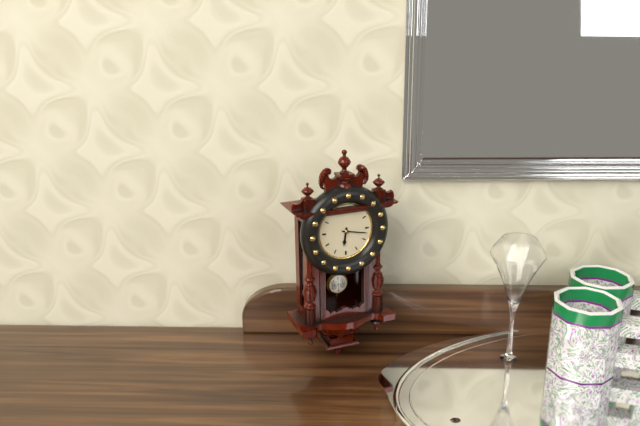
6:17
